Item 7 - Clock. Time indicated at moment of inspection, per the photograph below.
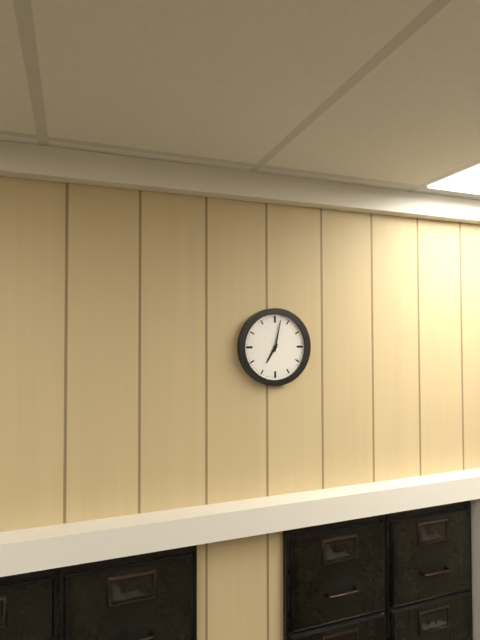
7:02
